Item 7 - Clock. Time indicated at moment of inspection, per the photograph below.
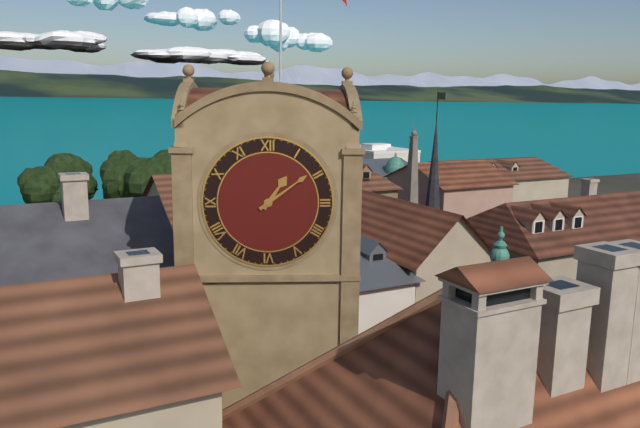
1:09
